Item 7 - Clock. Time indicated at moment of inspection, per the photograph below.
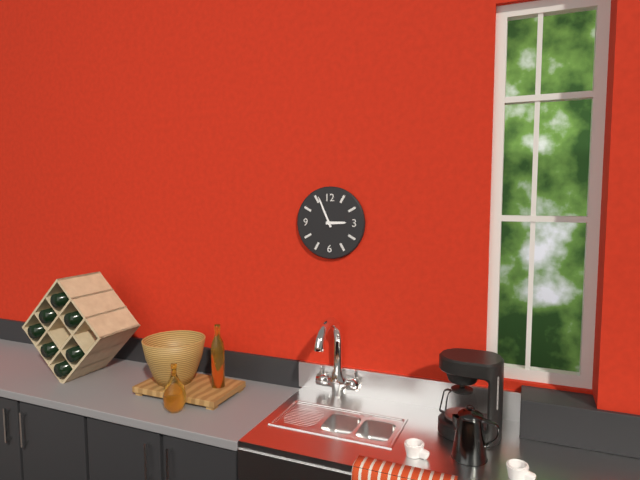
2:56
